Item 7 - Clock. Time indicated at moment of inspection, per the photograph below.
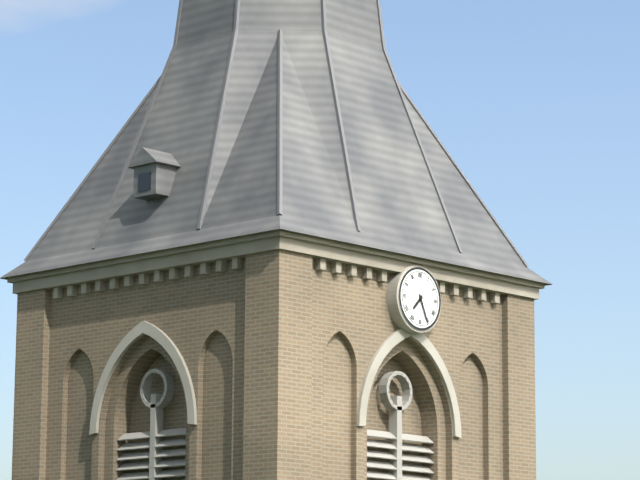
7:26
